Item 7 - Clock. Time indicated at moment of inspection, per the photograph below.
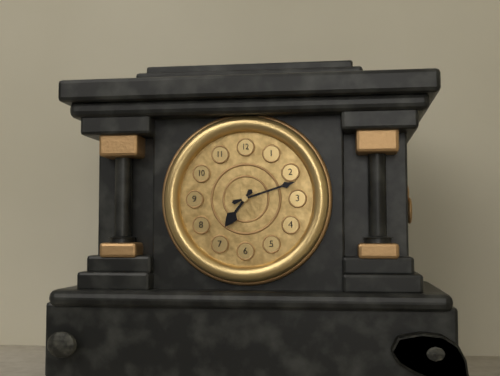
7:12
